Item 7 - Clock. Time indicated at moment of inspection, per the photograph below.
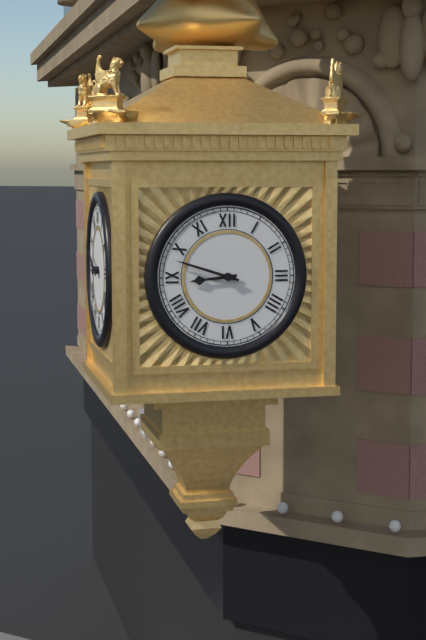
8:48
